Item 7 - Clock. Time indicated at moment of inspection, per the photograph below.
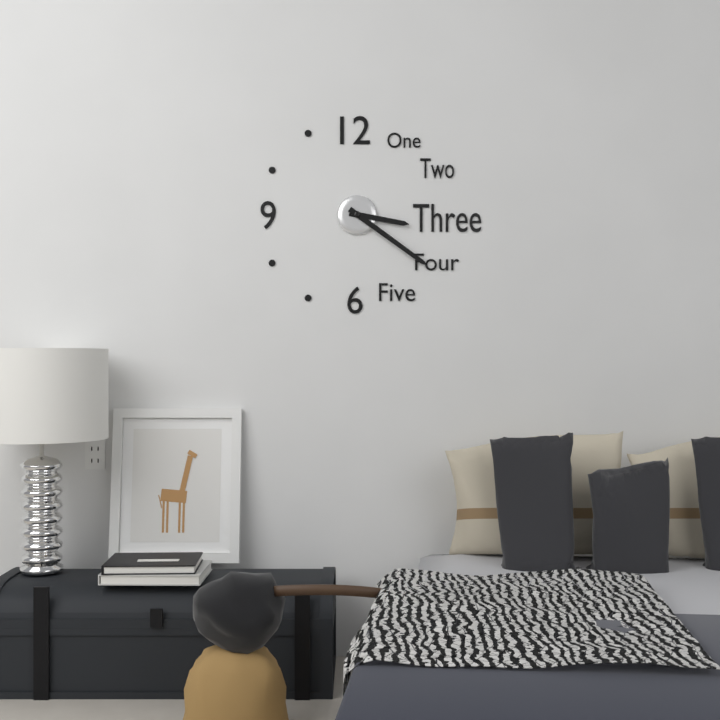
3:21
